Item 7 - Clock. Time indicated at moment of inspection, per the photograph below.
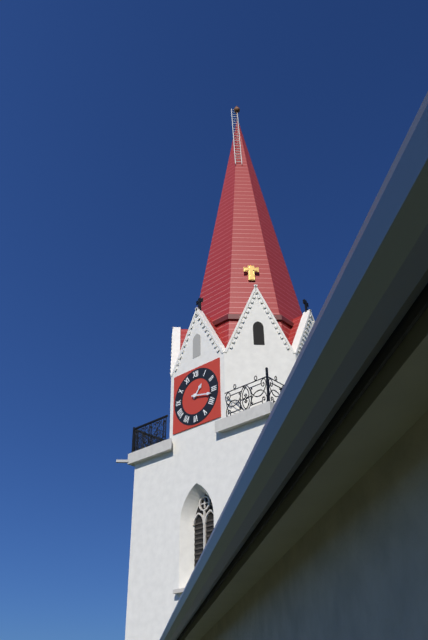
1:17
